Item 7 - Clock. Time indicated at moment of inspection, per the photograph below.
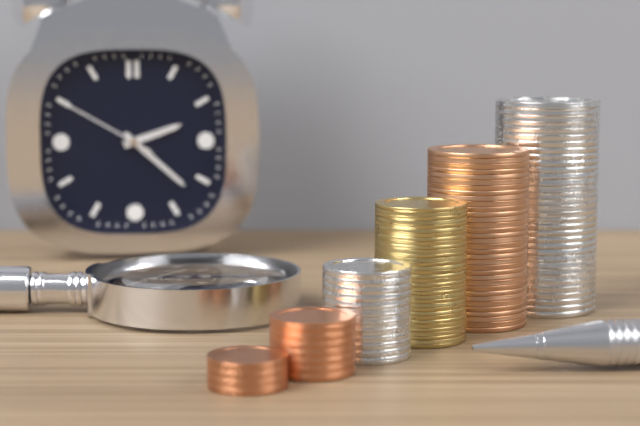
2:22:50
